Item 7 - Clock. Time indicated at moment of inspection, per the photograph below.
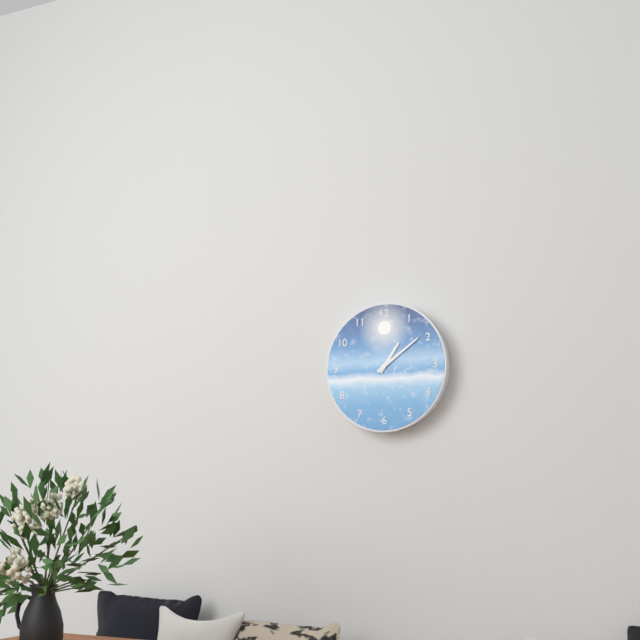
1:09
